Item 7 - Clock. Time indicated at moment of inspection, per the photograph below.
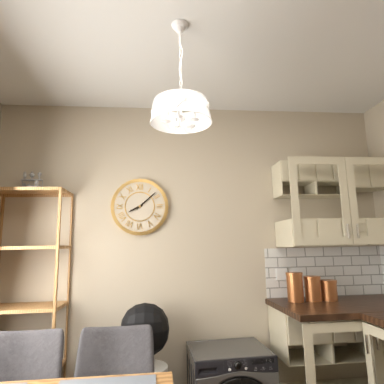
8:08
